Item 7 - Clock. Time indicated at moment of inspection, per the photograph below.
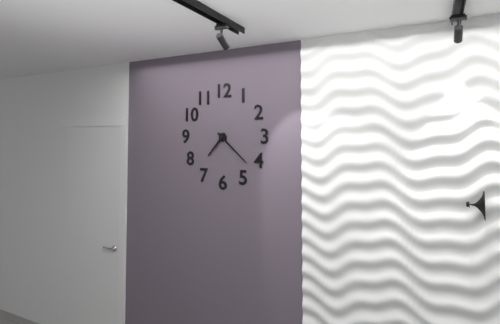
7:22
